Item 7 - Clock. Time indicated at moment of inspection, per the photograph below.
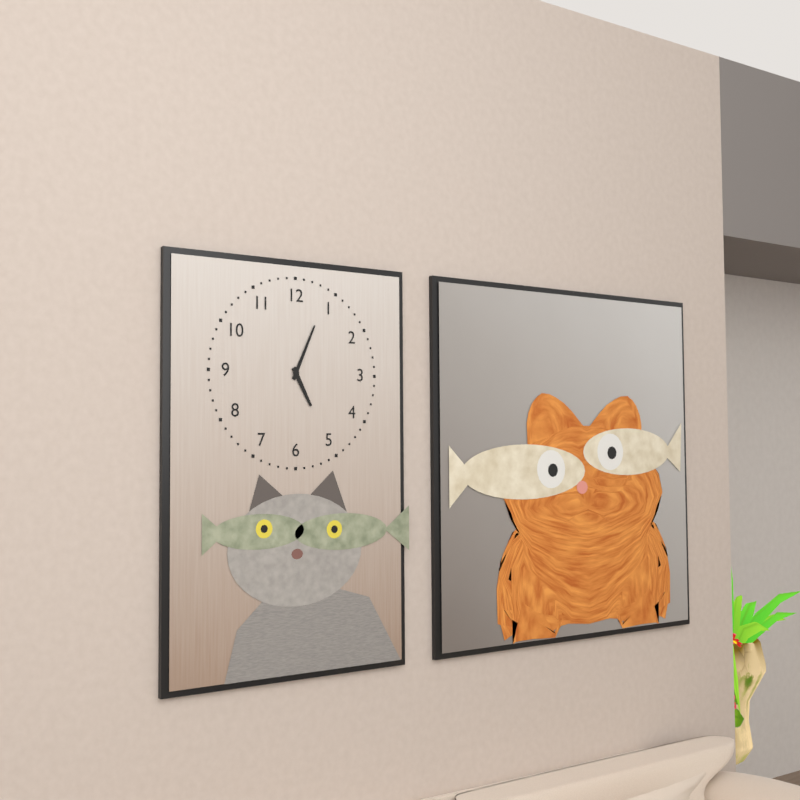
5:04
